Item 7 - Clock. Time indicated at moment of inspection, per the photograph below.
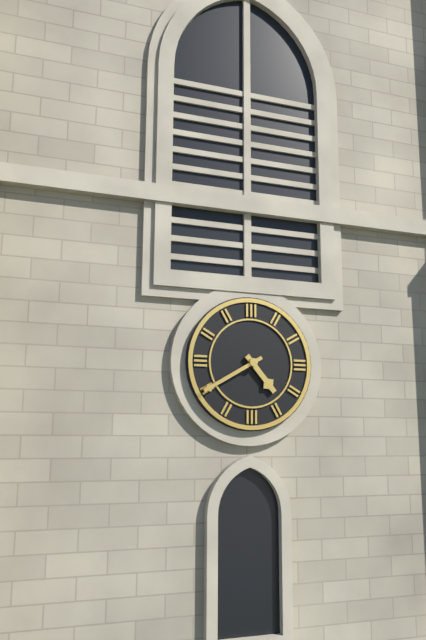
4:40
